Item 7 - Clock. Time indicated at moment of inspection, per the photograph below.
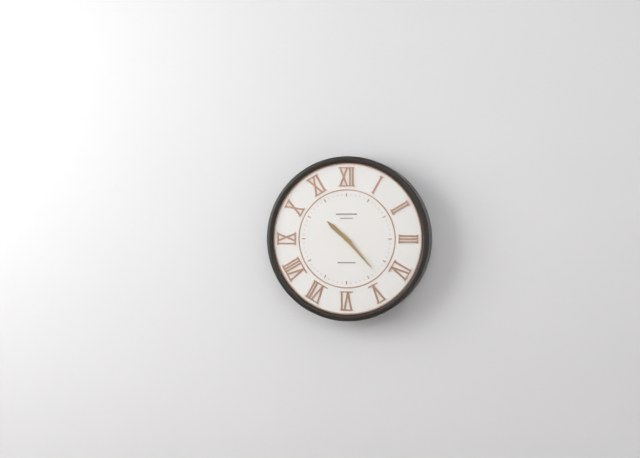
10:23
